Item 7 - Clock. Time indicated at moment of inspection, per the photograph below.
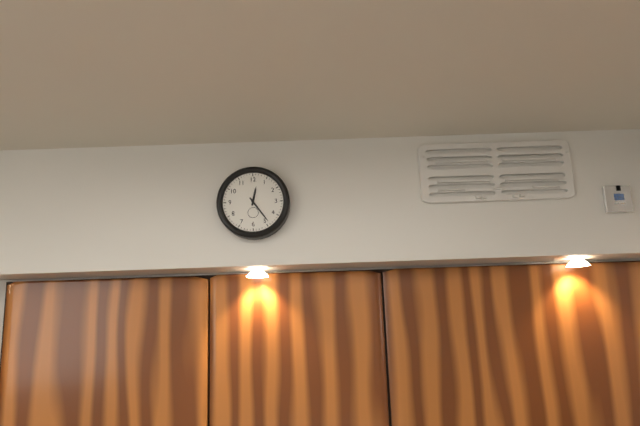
12:24
